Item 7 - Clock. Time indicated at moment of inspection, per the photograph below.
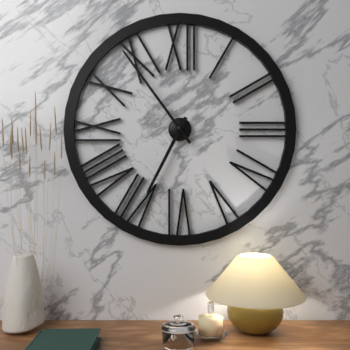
6:54
